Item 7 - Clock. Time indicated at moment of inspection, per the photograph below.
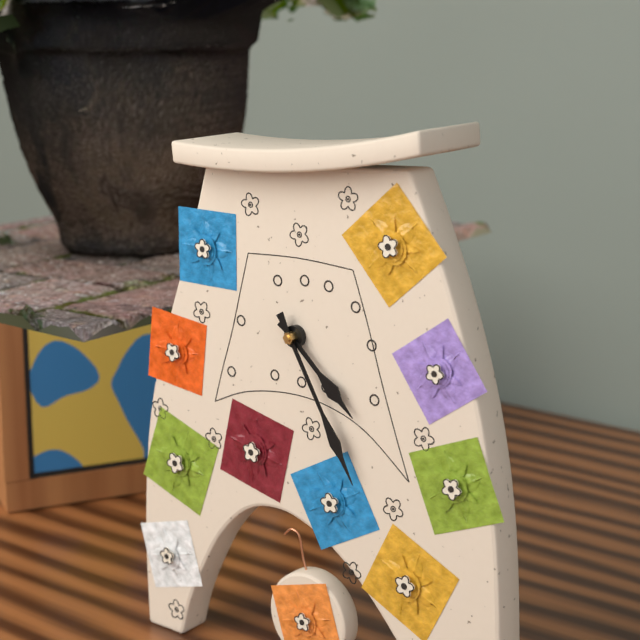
4:25
